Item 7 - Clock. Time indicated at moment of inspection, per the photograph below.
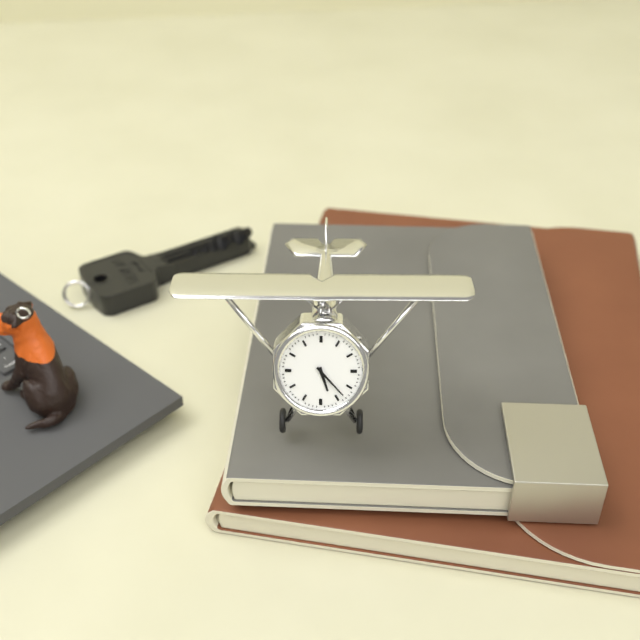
5:23
